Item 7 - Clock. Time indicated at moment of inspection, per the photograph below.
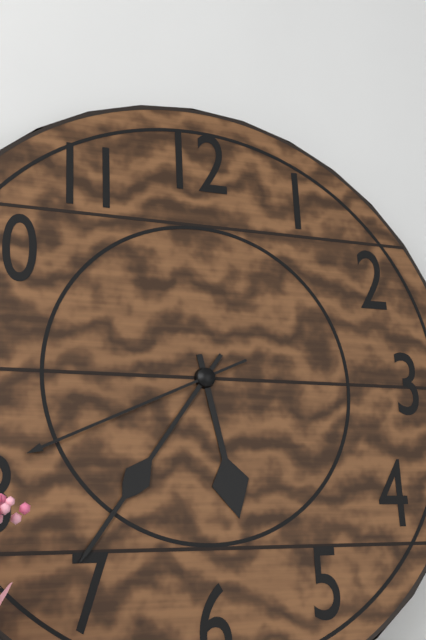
5:36:41
